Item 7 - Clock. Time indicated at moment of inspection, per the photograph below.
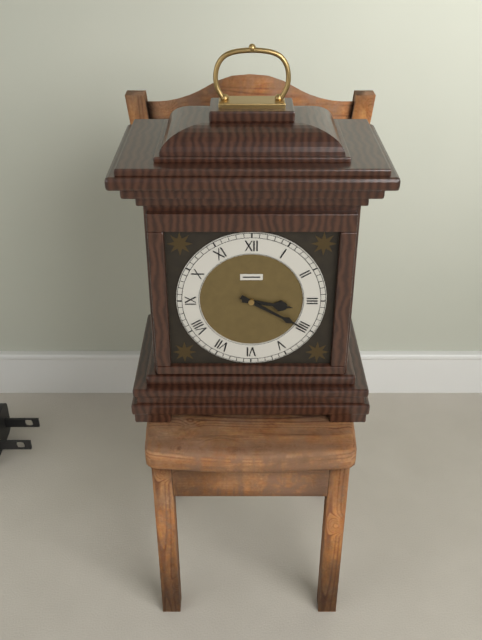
3:20
